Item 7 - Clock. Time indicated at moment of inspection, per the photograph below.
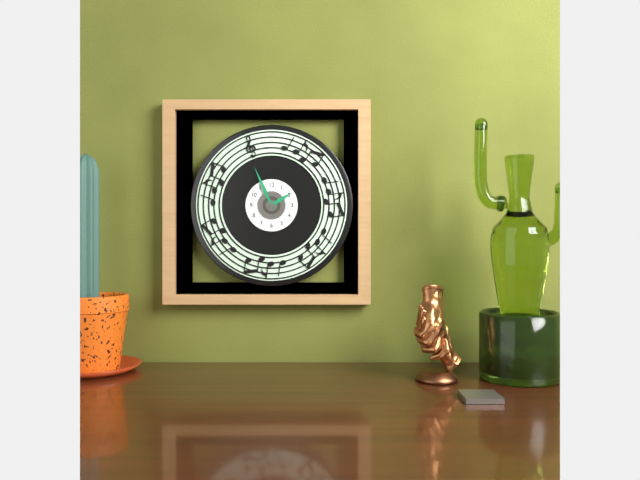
1:56
